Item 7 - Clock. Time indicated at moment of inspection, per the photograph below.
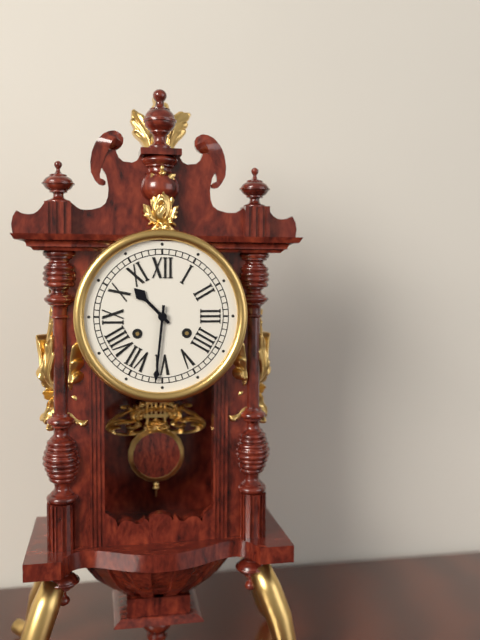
10:31
